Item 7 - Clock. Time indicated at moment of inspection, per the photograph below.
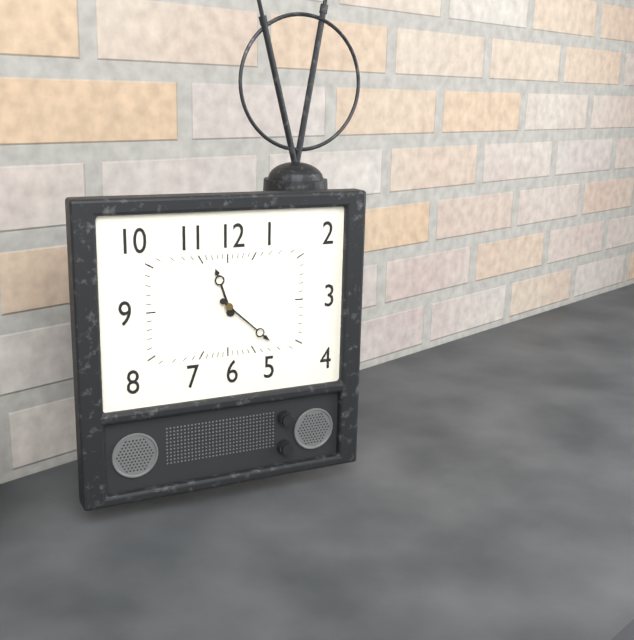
11:22
